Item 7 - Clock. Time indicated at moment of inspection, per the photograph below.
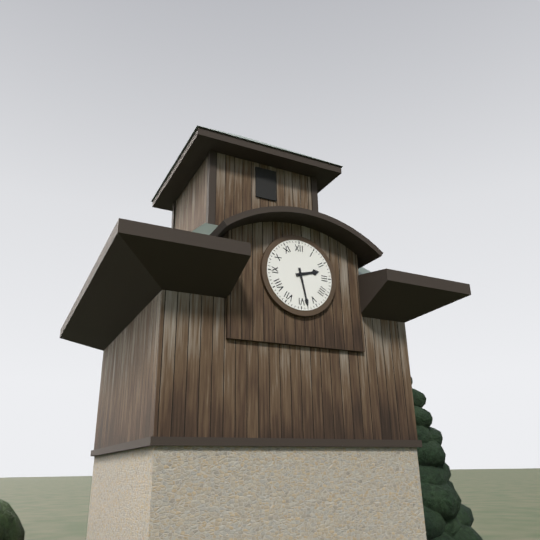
2:28
